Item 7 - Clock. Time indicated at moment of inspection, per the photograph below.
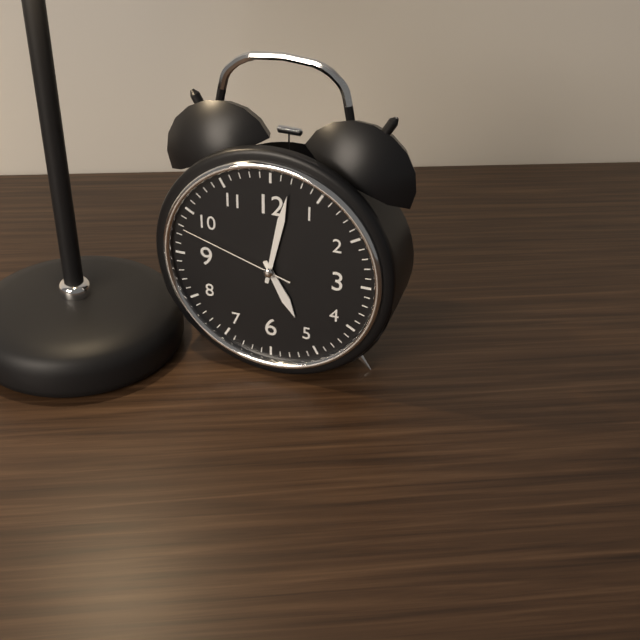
5:02:48
